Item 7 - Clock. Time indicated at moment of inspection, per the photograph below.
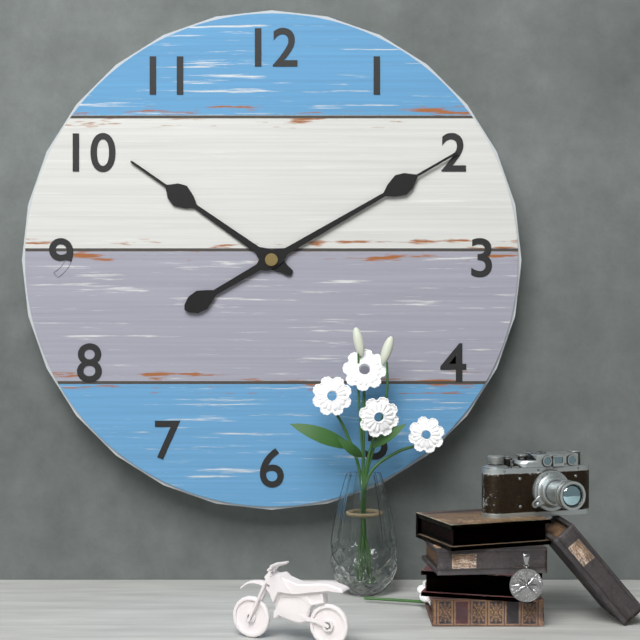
10:10
